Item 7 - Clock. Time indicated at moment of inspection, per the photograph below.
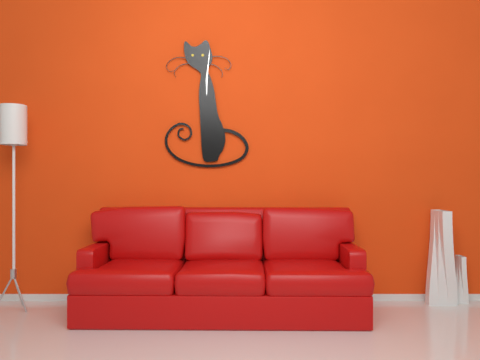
6:01
